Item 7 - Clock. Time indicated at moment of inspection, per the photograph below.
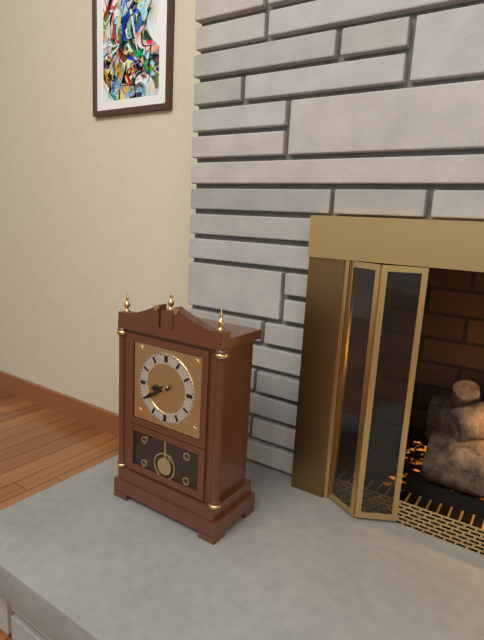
8:40
